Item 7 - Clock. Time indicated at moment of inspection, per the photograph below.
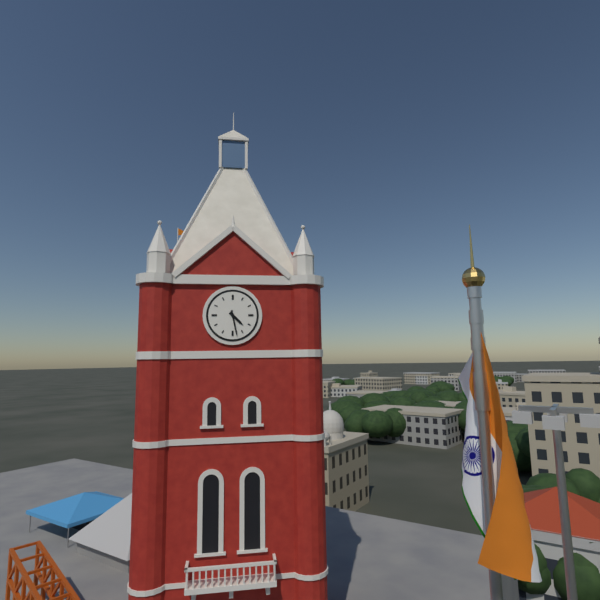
4:28
